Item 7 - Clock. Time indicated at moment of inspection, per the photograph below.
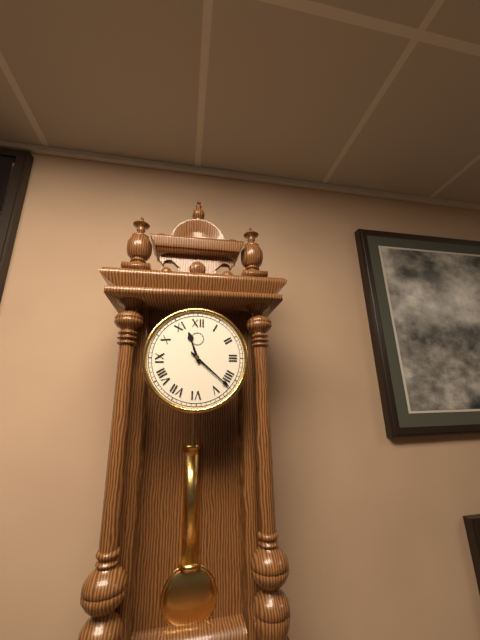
11:22
